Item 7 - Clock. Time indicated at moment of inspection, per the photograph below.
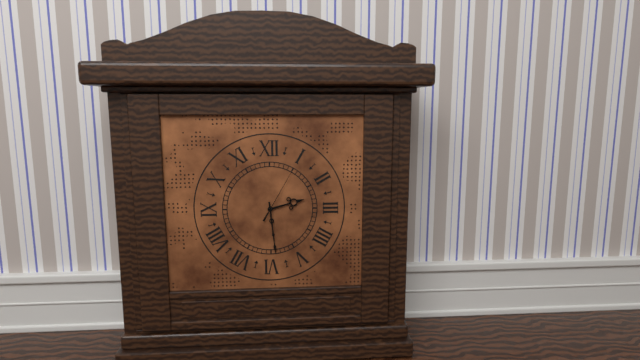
2:29:05
